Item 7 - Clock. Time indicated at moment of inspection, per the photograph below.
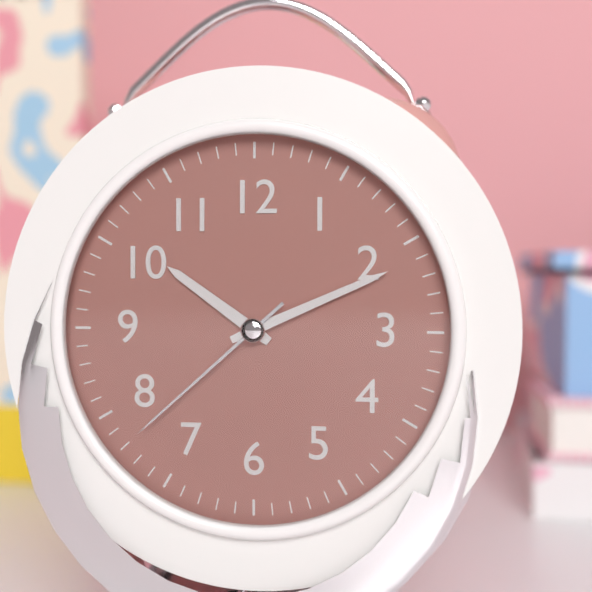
10:11:38
